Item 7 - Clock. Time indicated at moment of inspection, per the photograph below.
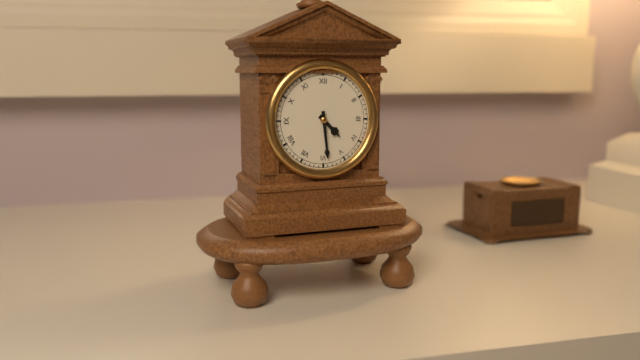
4:29
